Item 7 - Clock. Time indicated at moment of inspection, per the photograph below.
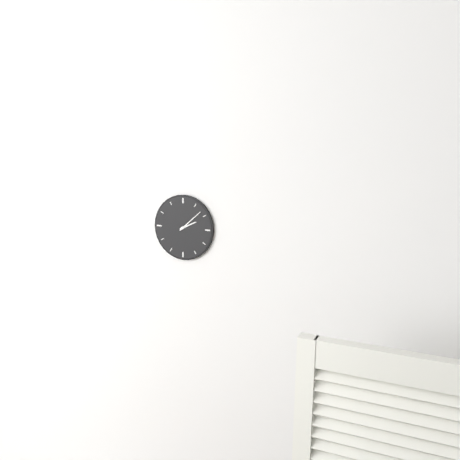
2:08
